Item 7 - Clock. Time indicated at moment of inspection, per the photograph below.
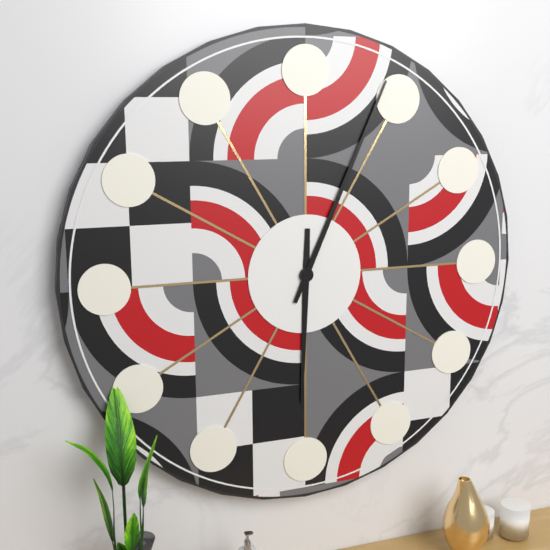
6:04
